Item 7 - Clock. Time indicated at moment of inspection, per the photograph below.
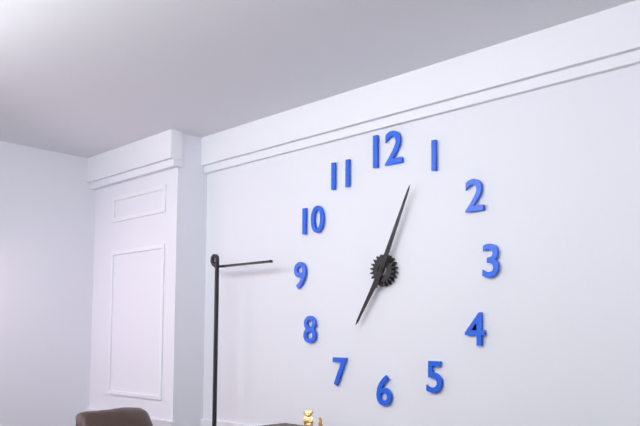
7:04
